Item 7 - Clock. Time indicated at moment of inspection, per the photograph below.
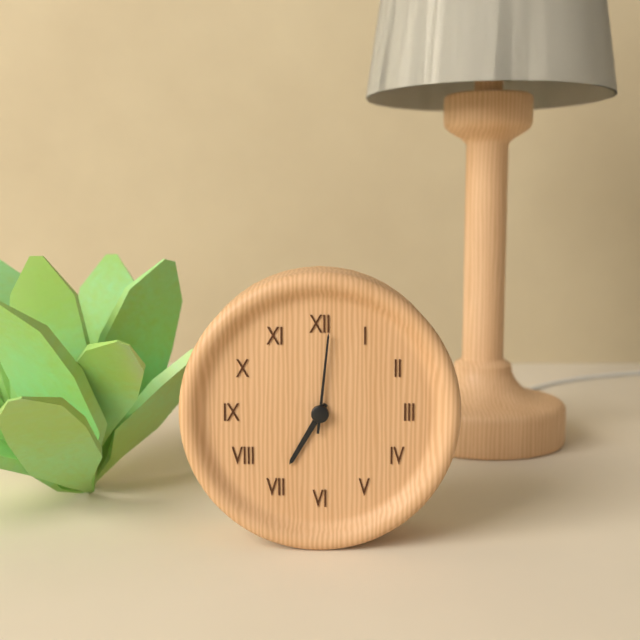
7:01
